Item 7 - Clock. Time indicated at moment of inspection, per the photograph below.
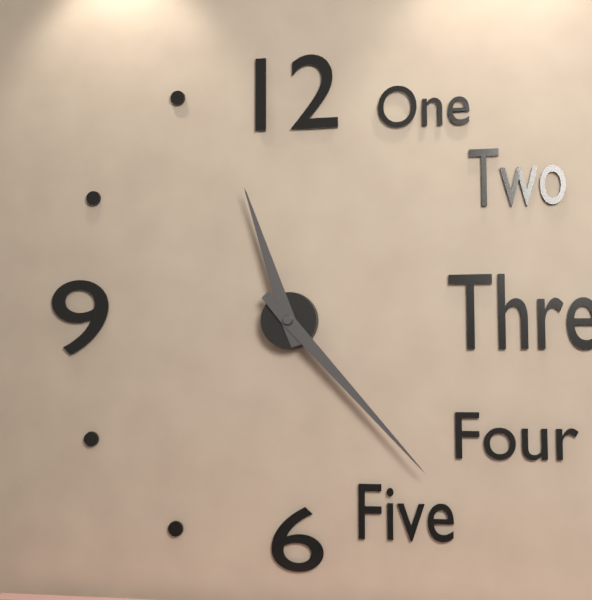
11:23
